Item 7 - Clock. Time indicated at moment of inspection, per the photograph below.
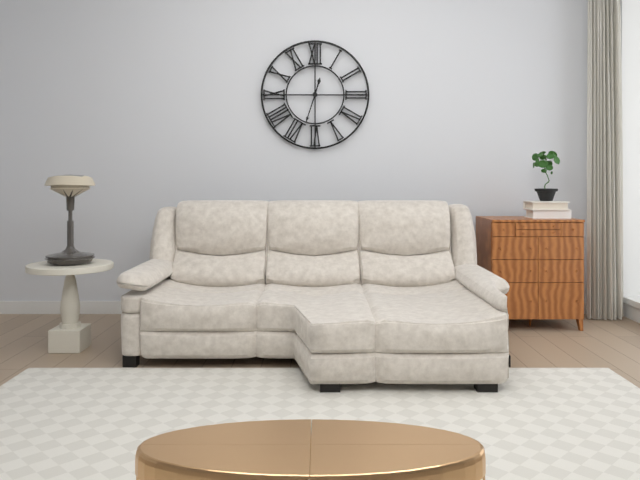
12:33
